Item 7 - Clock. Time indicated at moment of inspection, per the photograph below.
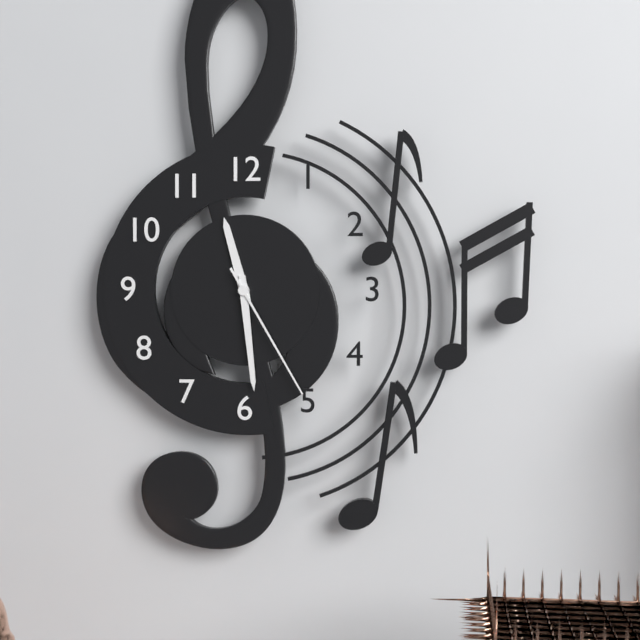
11:29:25
